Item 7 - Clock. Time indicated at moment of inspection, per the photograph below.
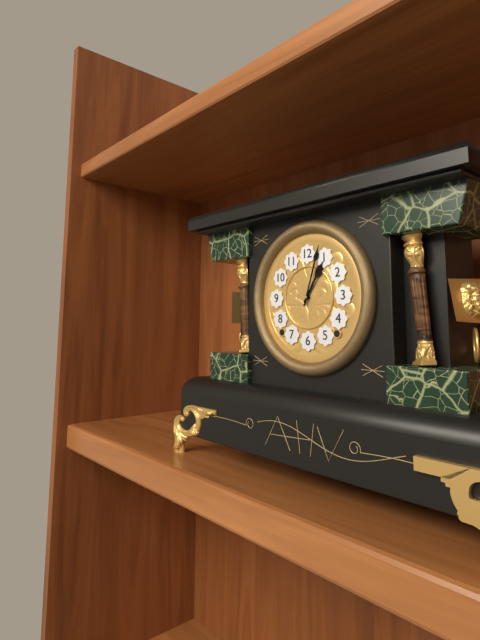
1:03
